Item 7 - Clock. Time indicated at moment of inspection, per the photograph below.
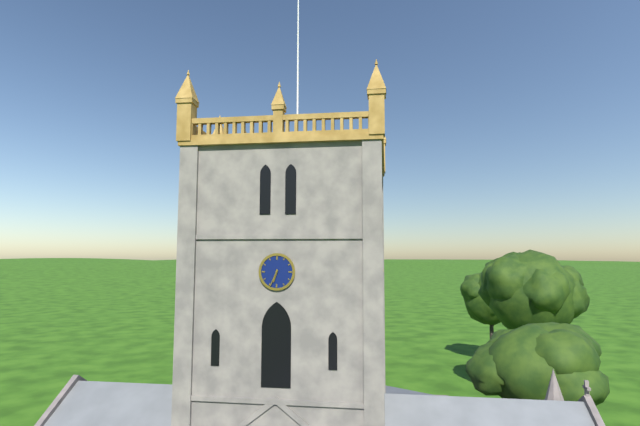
6:34
